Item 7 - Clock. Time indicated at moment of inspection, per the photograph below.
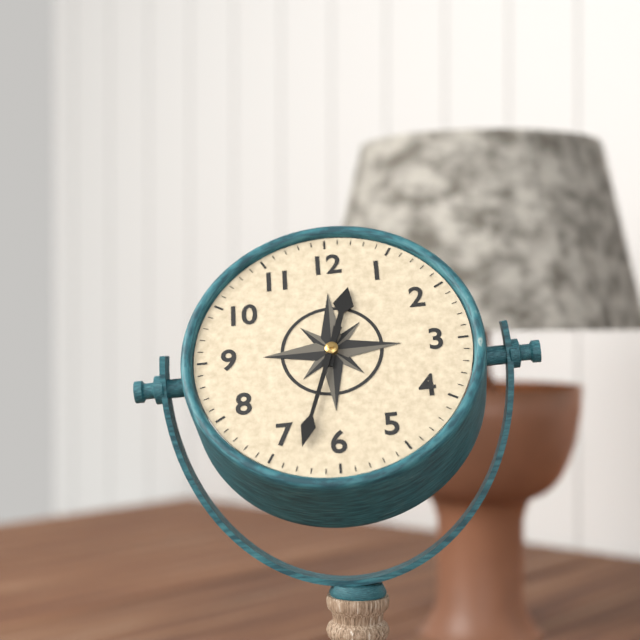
12:33
